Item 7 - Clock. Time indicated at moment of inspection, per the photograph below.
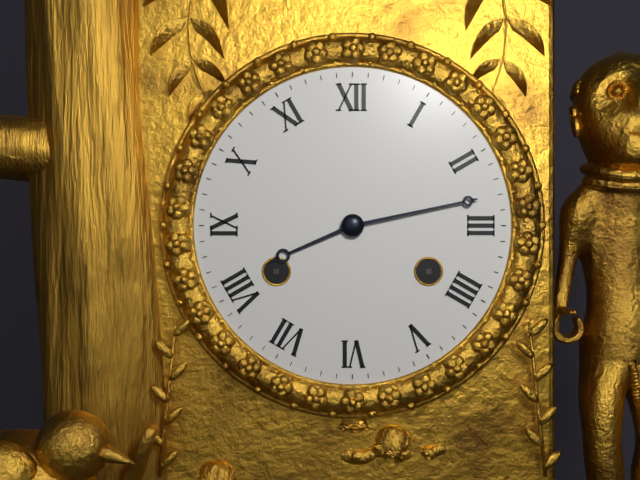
8:13
